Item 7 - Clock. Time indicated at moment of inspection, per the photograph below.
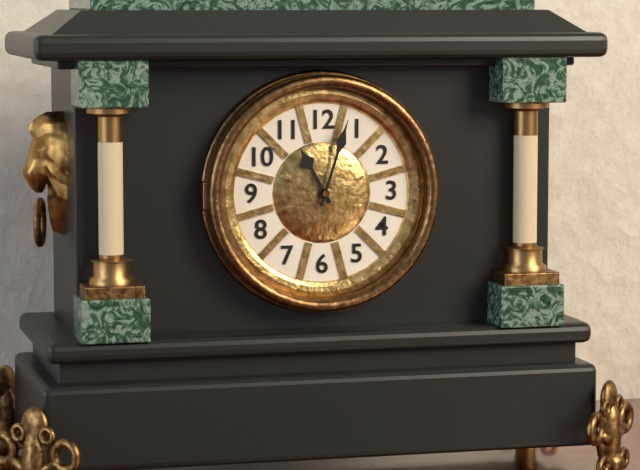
11:03
